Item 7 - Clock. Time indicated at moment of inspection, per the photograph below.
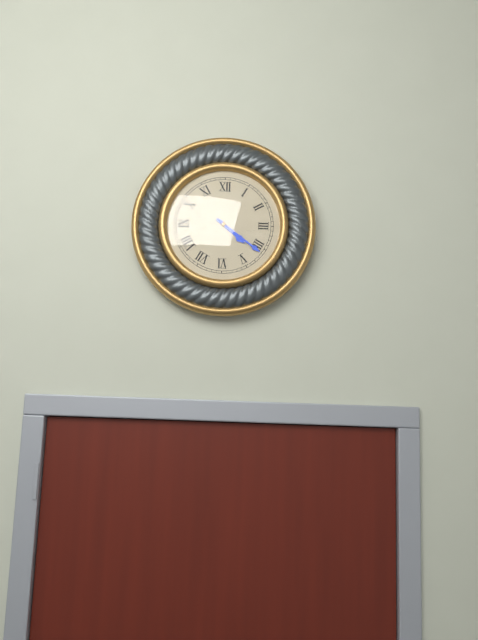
4:21
